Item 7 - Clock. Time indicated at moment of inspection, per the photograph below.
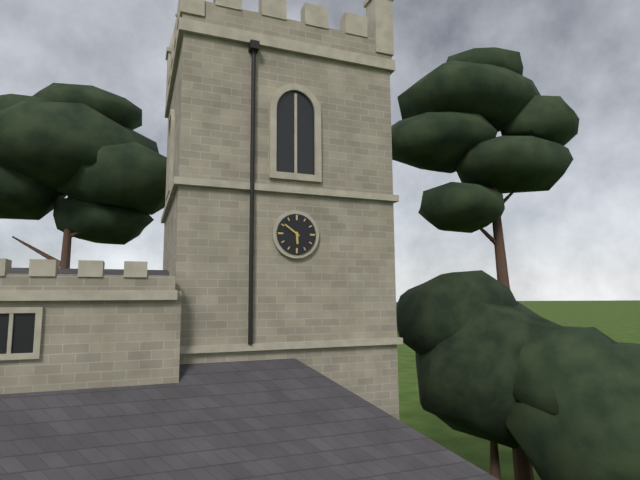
5:51
